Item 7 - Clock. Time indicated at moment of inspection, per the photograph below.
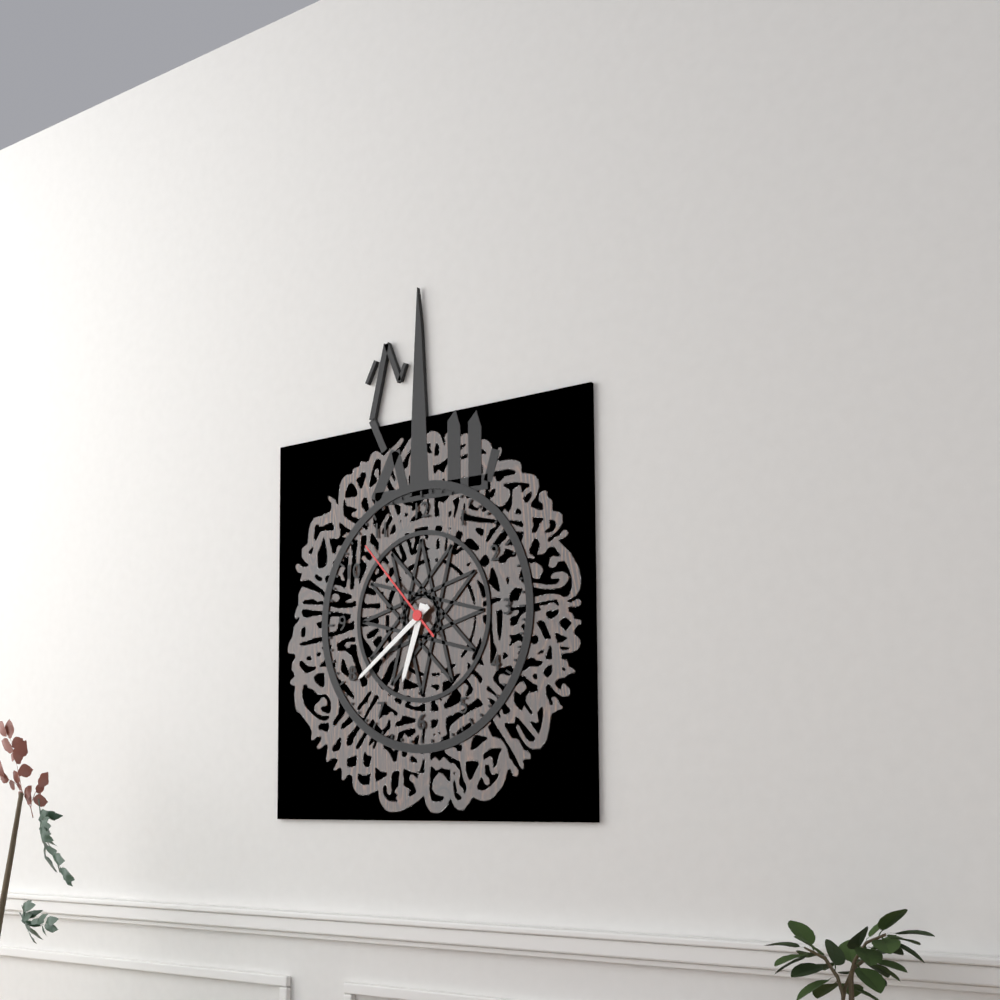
6:39:53
